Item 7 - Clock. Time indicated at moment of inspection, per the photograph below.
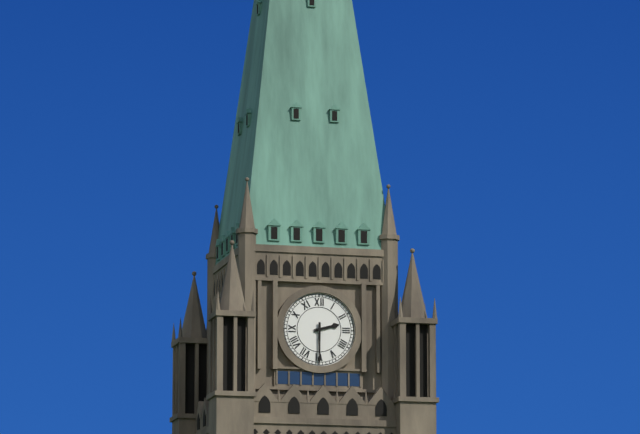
2:30
